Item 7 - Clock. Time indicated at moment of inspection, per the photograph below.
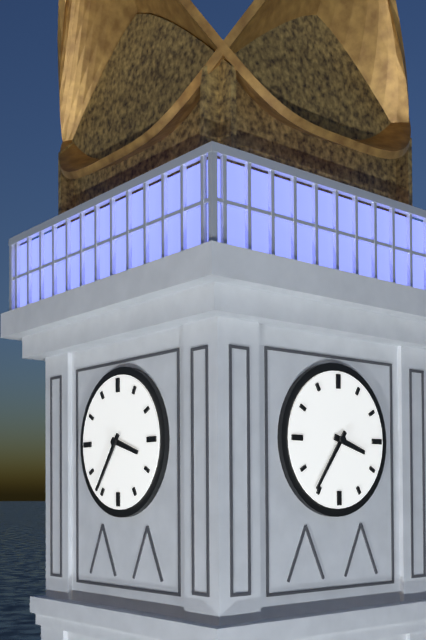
3:36
